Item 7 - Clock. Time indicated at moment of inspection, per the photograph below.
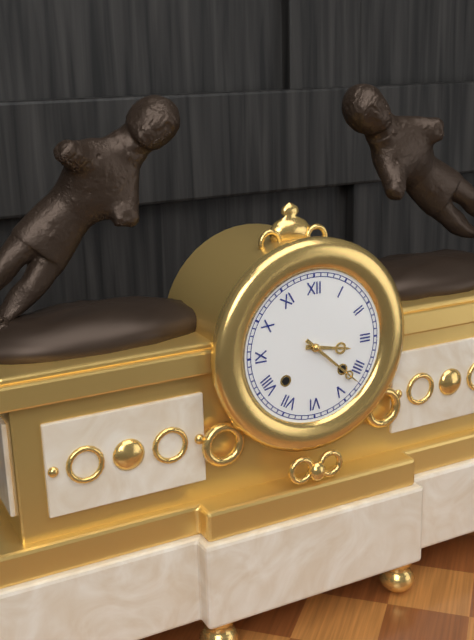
3:22
